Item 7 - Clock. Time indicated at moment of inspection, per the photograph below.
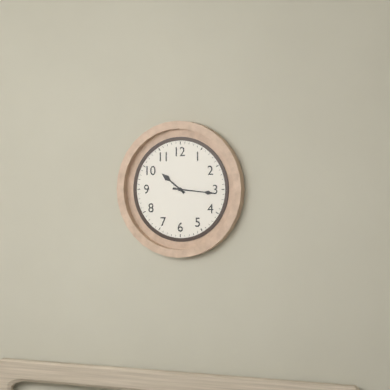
10:16
